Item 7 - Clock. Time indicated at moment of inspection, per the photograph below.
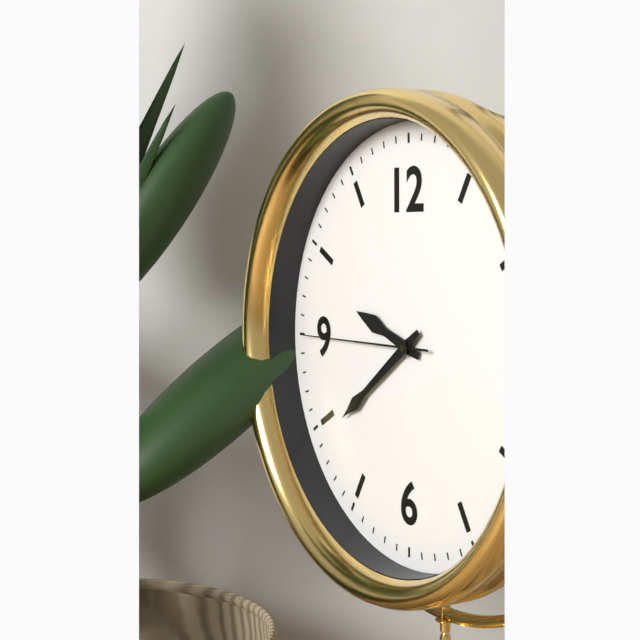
9:39:45
